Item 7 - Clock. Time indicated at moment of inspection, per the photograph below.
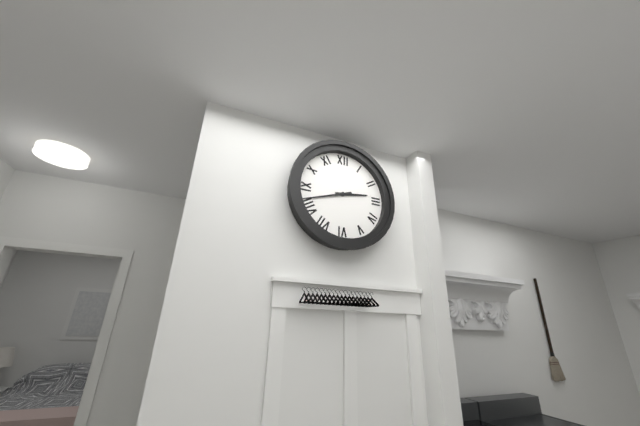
2:42
